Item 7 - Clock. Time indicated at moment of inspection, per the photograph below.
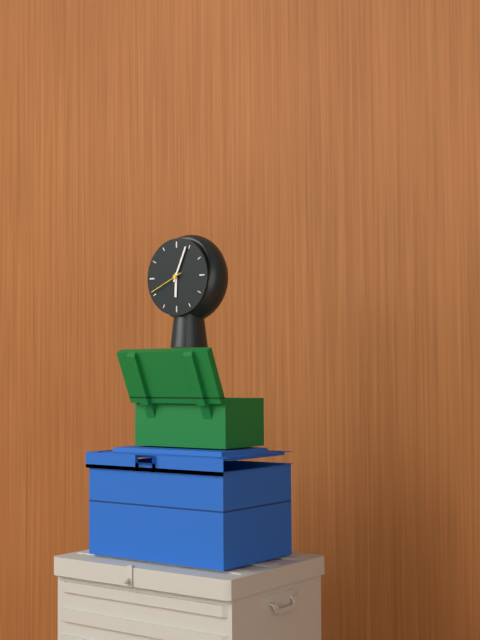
6:04
